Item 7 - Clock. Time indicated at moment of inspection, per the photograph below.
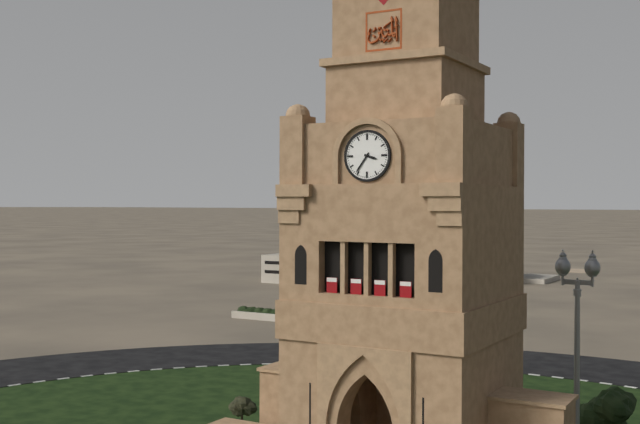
3:36
